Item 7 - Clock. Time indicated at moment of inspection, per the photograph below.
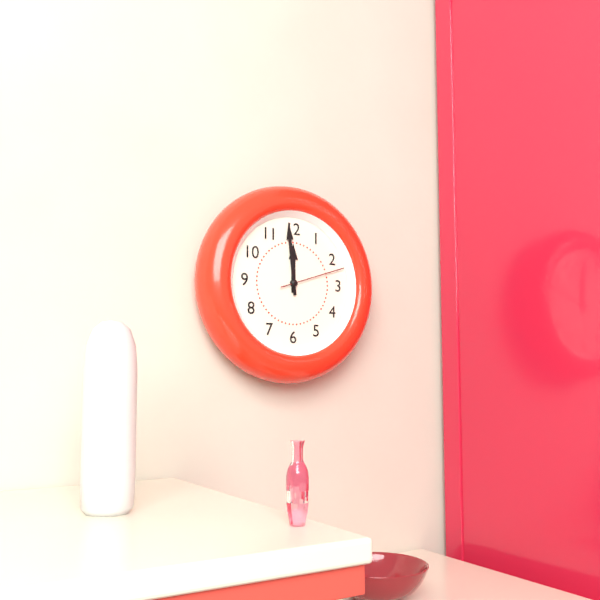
11:59:12
